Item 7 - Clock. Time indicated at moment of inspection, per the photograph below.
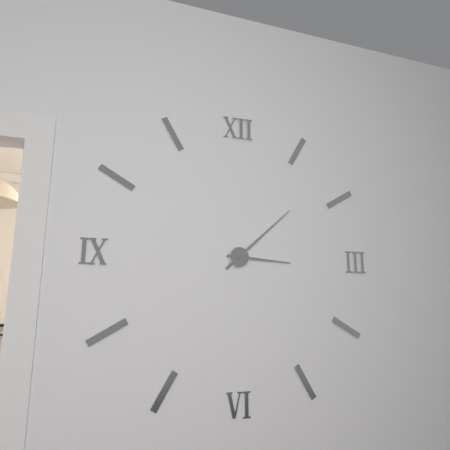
3:08
